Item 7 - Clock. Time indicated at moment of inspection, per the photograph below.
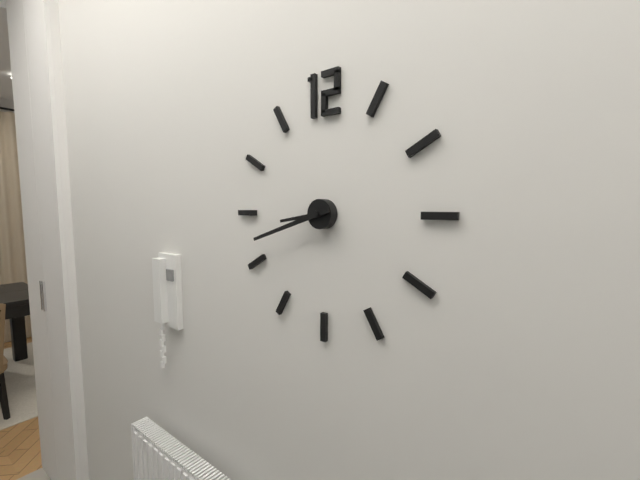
8:42
